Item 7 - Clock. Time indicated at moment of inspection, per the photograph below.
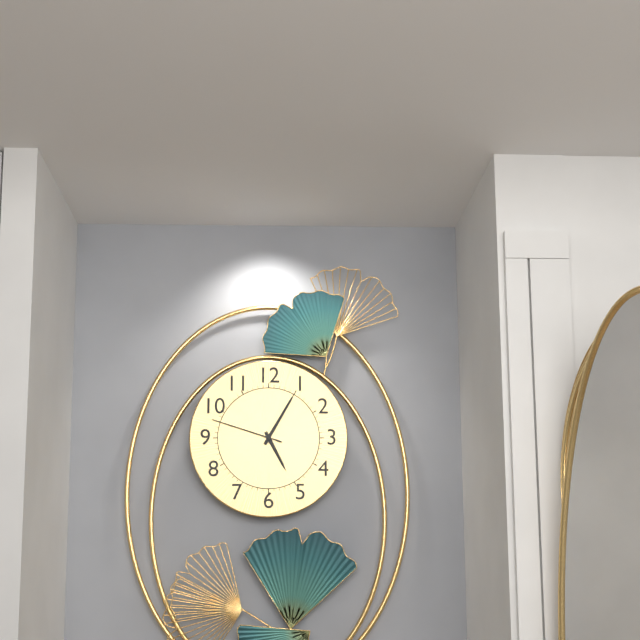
5:05:48
